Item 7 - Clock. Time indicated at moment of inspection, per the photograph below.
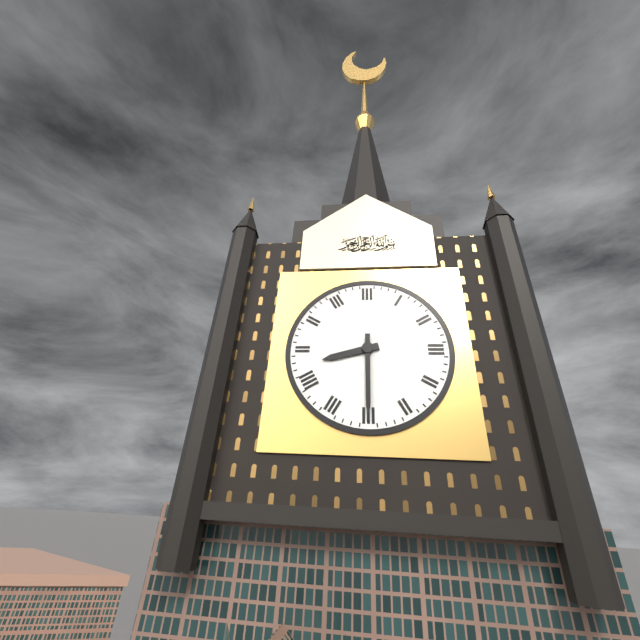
8:30
